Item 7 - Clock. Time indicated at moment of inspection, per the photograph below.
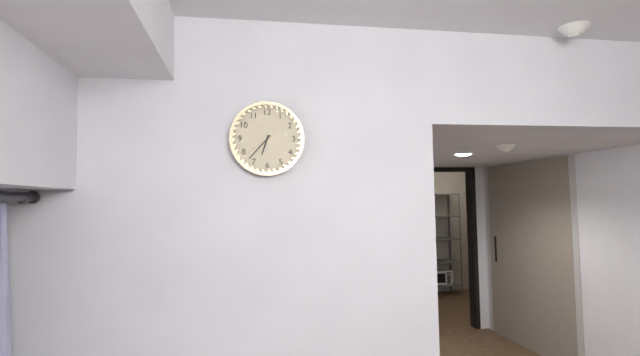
6:37
